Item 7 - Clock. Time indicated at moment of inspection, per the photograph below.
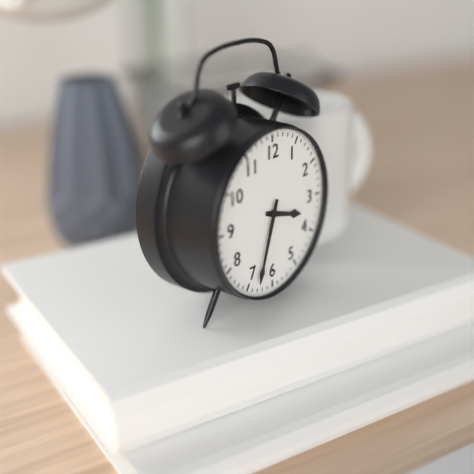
3:33
